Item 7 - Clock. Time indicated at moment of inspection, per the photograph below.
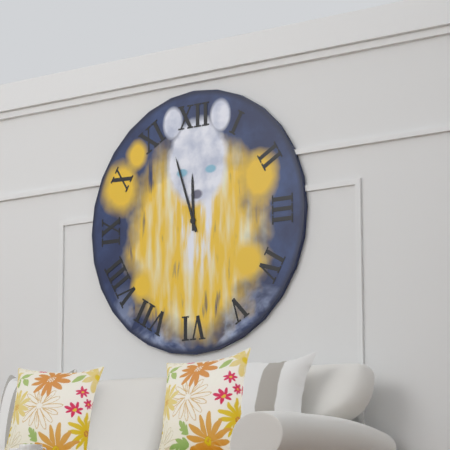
11:57
